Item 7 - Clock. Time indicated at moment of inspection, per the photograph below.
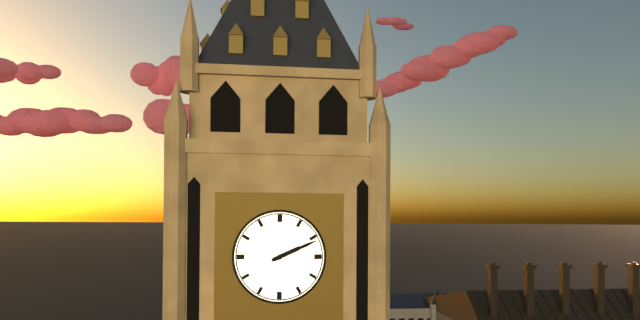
2:11
